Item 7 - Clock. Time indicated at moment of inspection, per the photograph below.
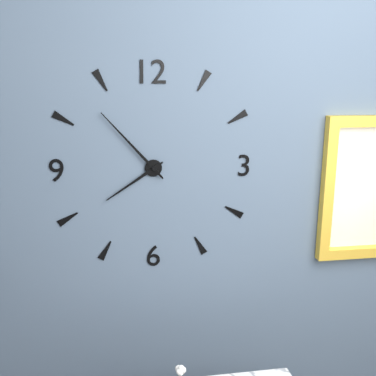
7:53
